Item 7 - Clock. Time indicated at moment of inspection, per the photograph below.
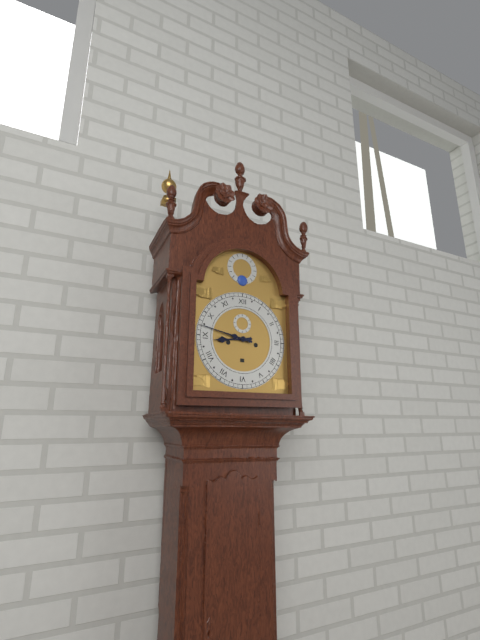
8:47
